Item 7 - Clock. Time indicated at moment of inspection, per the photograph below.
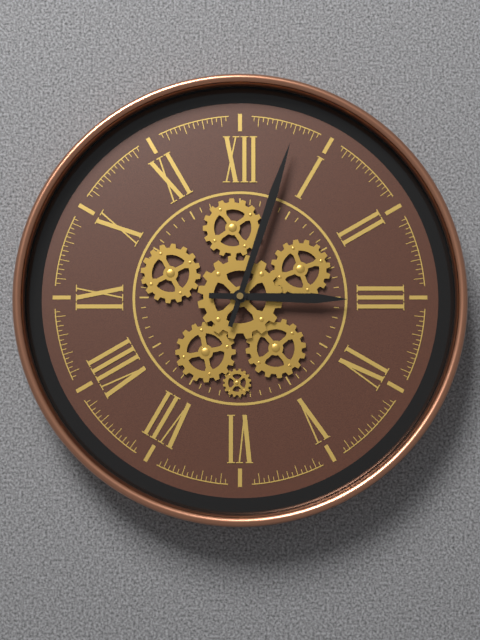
3:03
